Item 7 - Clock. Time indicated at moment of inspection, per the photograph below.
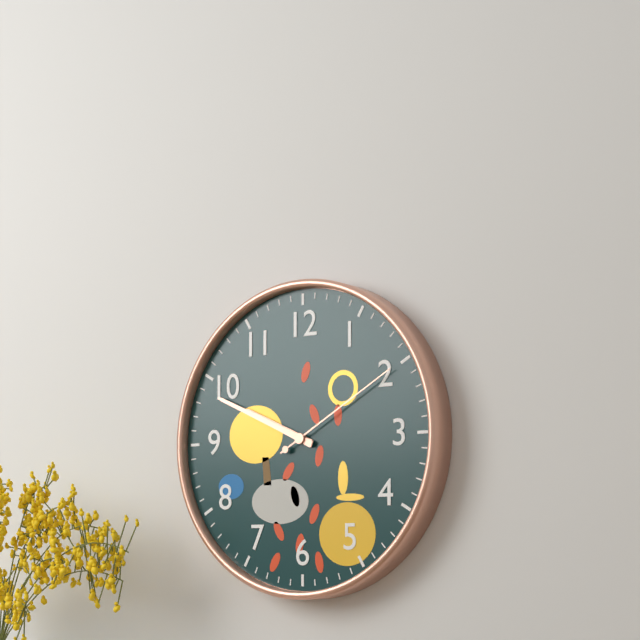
9:49:10
